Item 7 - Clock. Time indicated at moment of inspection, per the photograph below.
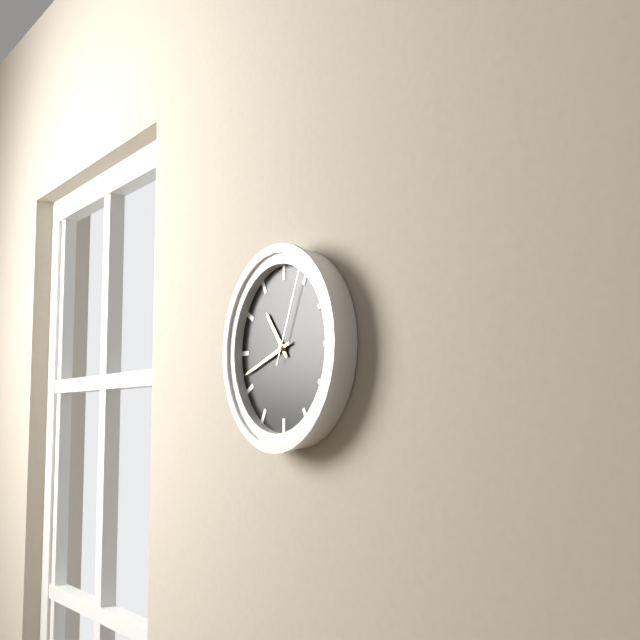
10:42:04
